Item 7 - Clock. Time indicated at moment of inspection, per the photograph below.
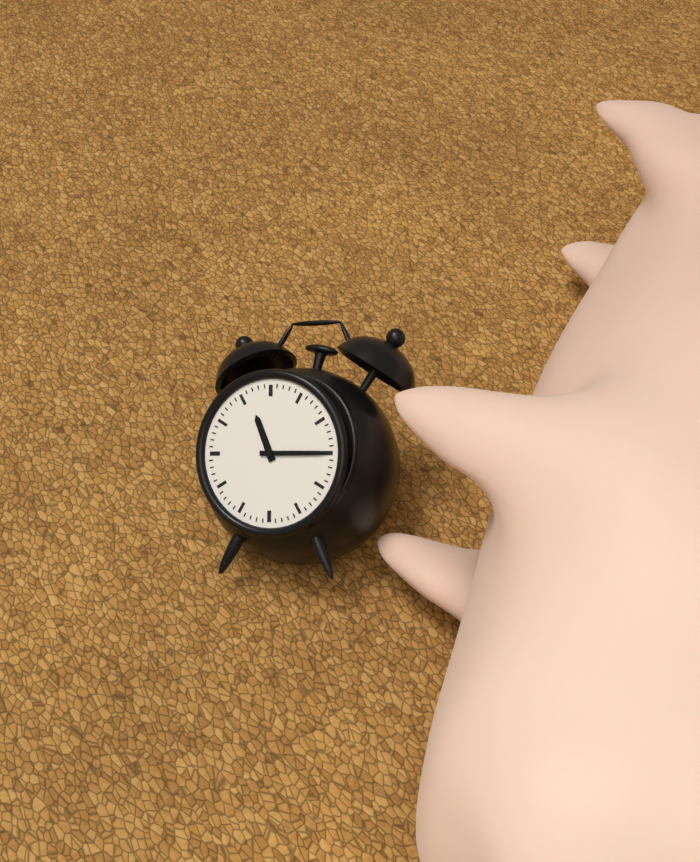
11:15
